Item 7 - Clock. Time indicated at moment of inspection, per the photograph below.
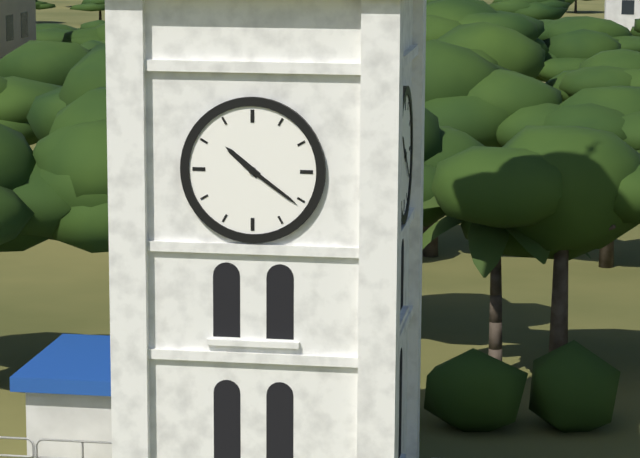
10:21
